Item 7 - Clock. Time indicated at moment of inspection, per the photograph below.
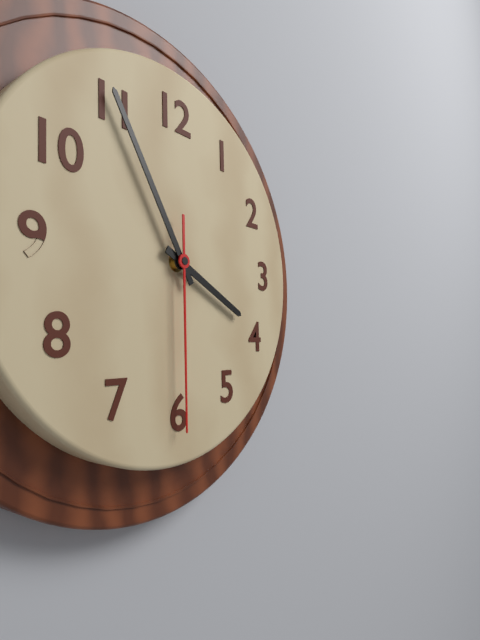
3:55:30
